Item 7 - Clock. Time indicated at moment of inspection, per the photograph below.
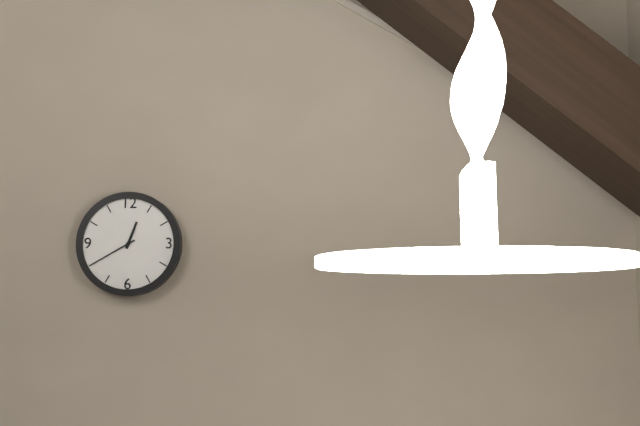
12:40
